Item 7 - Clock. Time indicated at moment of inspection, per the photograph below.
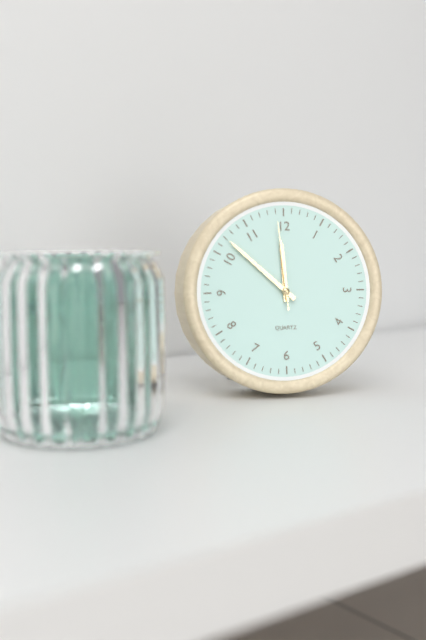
11:52:59
